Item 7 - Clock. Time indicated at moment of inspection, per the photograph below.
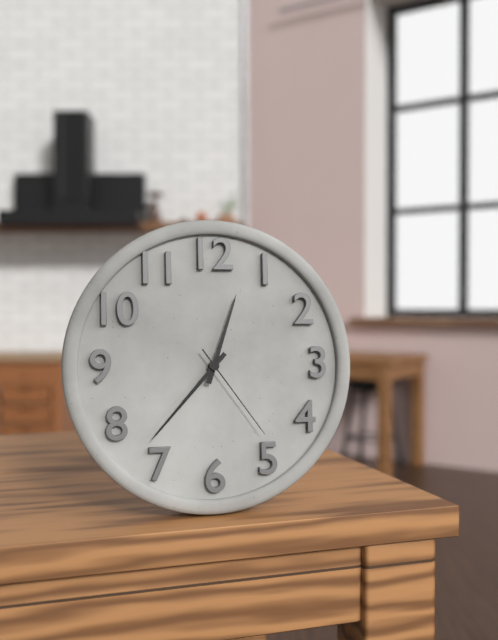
12:37:24
